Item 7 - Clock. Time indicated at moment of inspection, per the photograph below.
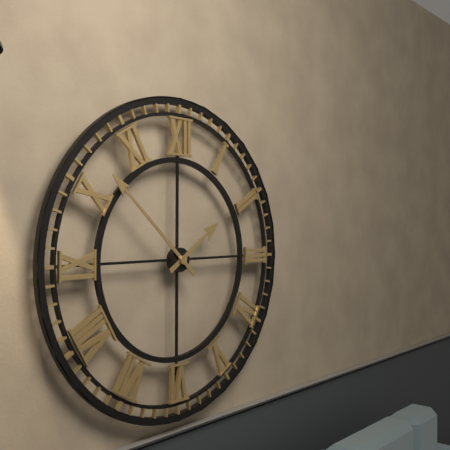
1:52
